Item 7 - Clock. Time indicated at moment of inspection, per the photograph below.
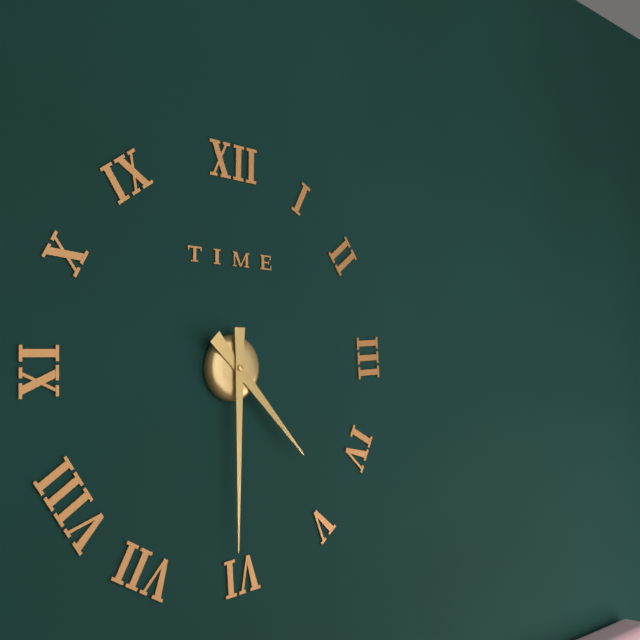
4:30
